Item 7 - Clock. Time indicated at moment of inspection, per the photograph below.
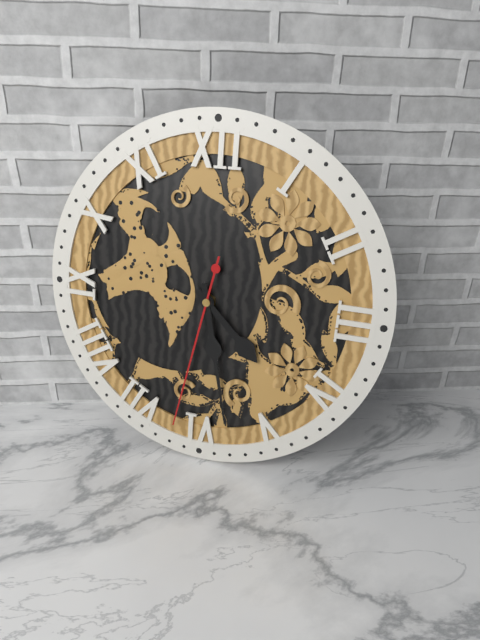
4:28:32
